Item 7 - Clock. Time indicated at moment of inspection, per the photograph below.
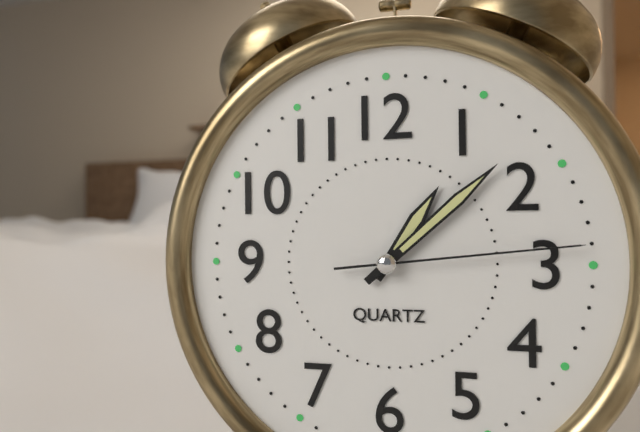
1:08:14
